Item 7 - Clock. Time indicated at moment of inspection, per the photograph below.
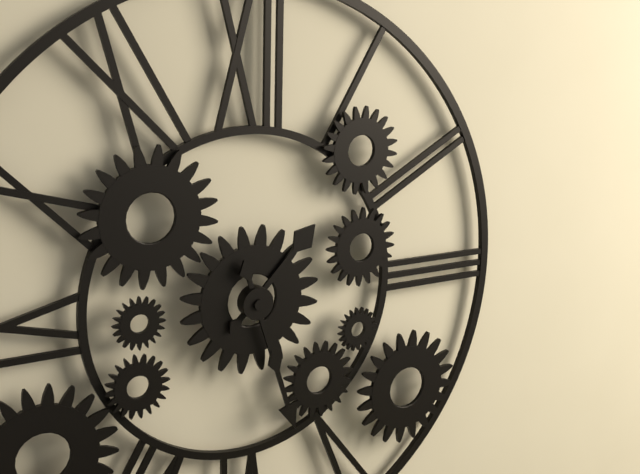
1:27
